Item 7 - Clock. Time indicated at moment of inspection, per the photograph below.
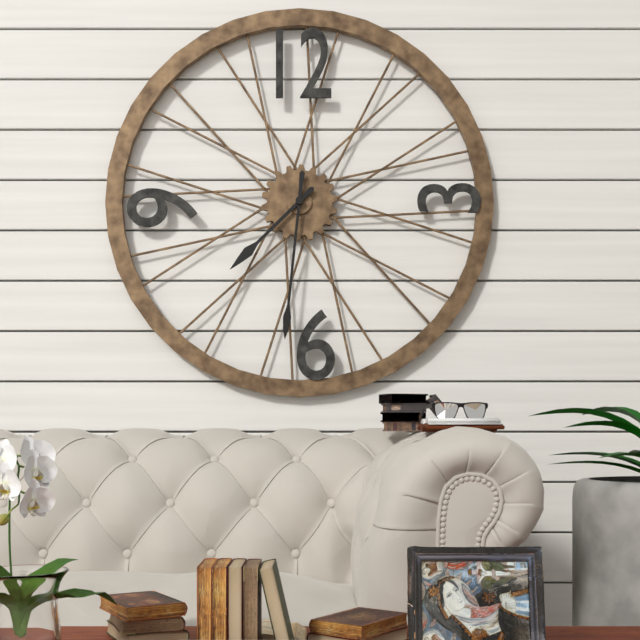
7:31
